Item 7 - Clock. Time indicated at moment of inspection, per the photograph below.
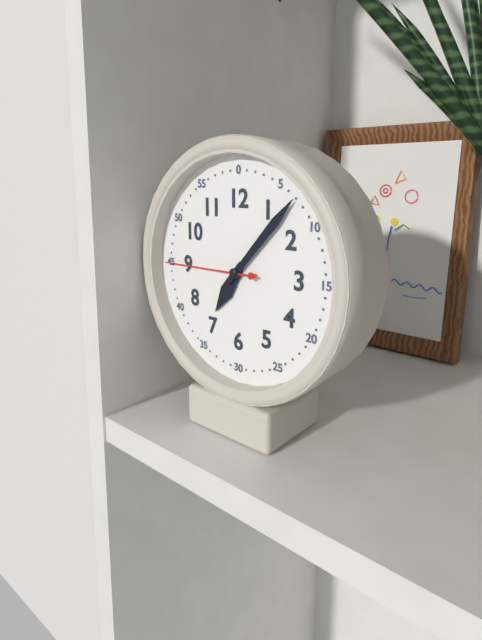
7:07:45
